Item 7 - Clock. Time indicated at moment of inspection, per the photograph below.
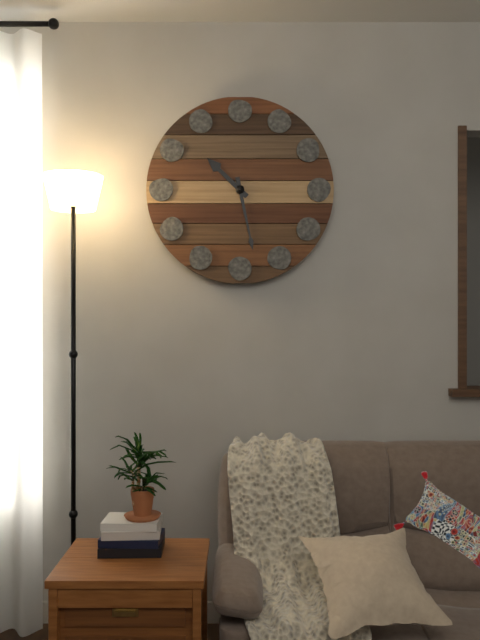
10:28
